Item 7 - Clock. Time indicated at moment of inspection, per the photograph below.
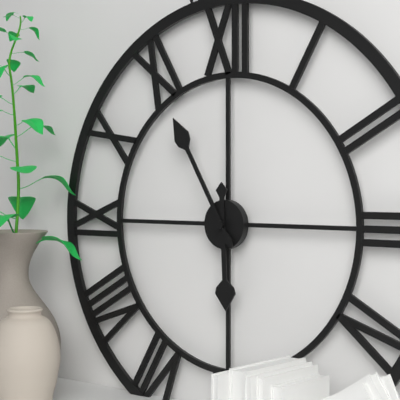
5:55
